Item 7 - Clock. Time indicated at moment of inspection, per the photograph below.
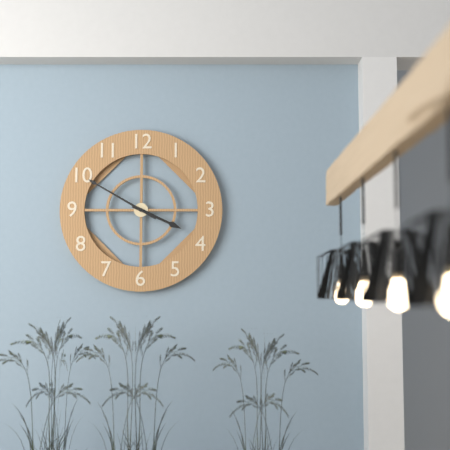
3:50
